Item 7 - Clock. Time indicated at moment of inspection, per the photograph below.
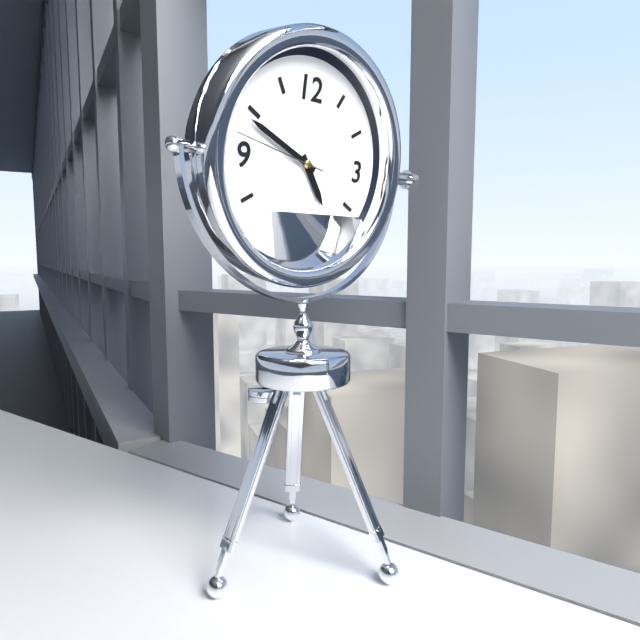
4:49:47
